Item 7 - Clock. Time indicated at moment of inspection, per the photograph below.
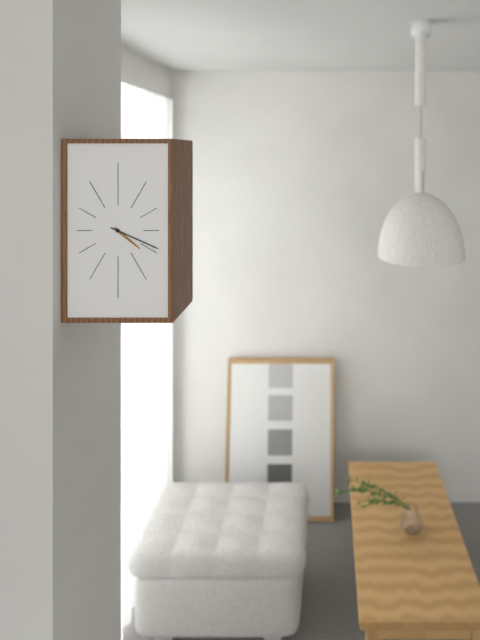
4:19
